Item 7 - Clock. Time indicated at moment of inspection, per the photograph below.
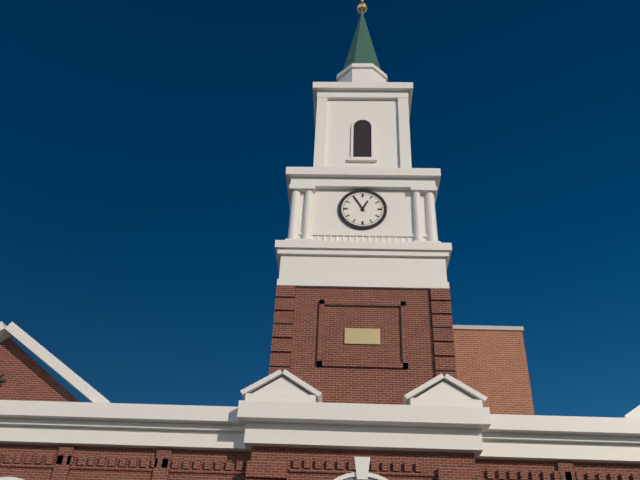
12:55
